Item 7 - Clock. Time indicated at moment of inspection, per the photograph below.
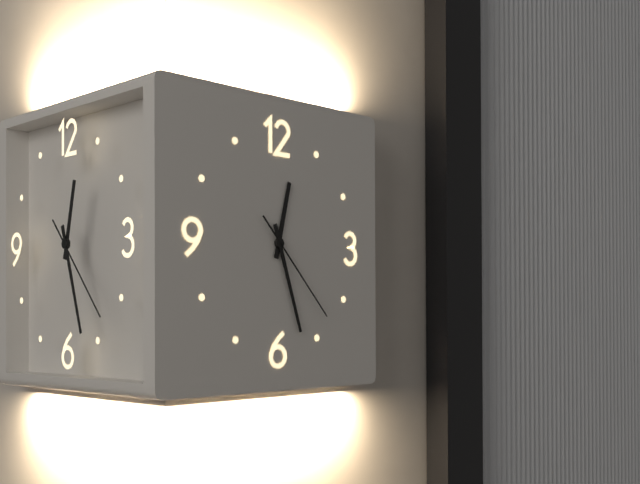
12:27:23
